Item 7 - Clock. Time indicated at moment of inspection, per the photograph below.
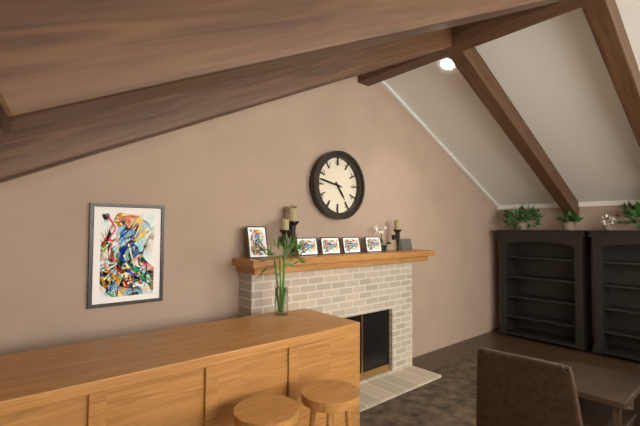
4:47
